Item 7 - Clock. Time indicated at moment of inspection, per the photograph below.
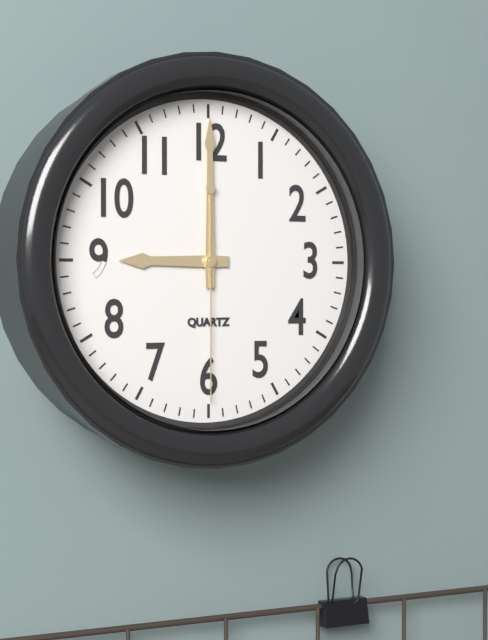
9:00:30
